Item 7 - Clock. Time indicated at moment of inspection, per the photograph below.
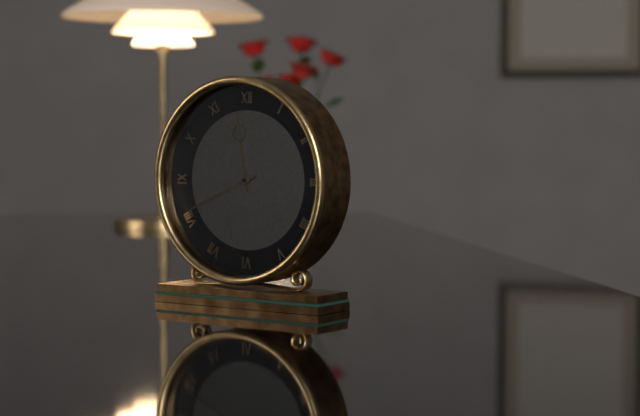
11:41
